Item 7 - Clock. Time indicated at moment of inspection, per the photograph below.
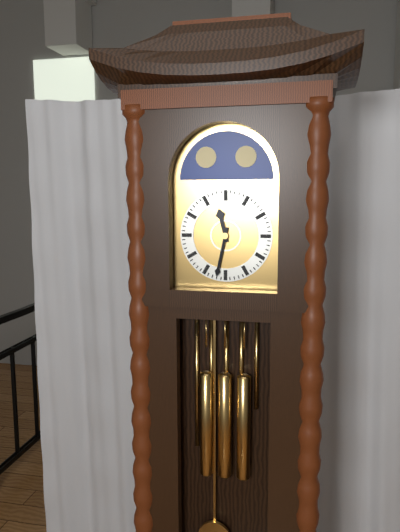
11:32
